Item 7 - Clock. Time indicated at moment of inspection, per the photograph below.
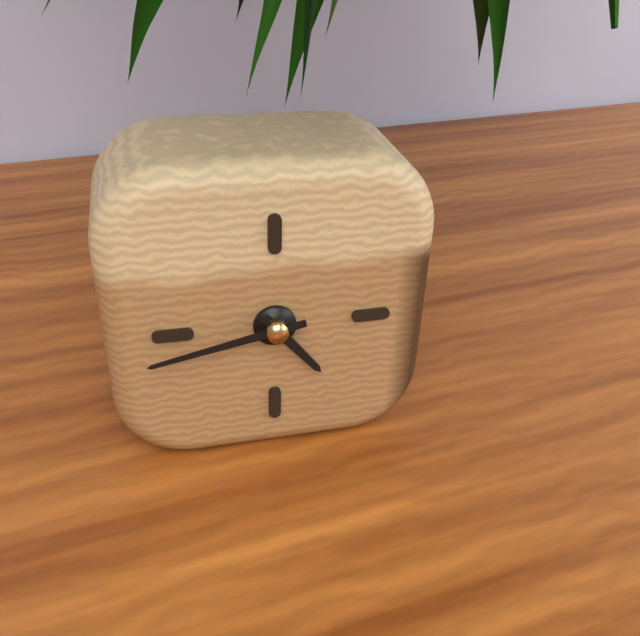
4:43
